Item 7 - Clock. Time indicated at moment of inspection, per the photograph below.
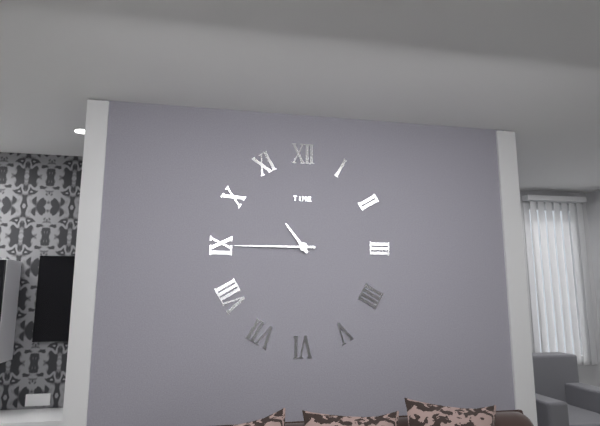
10:45
